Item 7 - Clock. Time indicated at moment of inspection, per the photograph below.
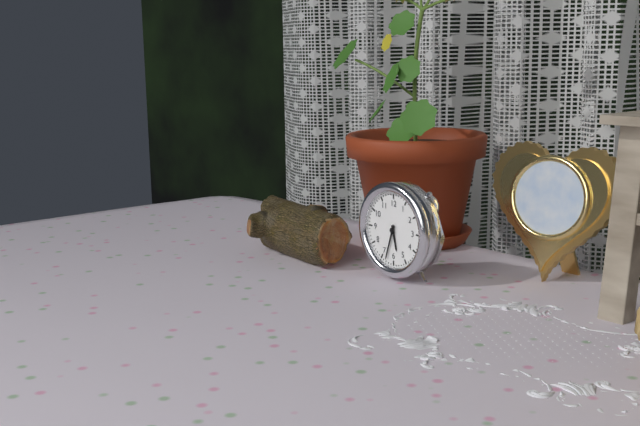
5:33
